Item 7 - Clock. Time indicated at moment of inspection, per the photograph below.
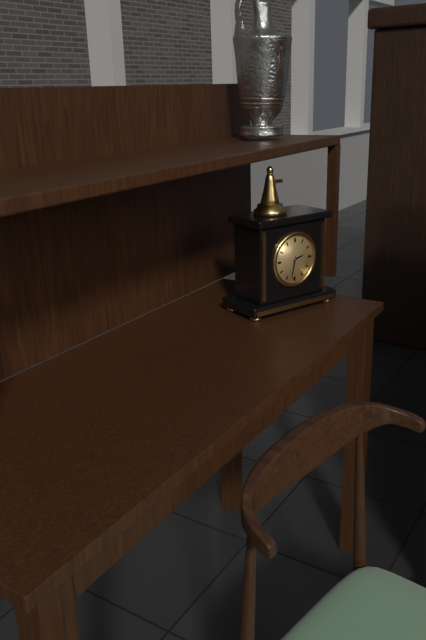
2:32
